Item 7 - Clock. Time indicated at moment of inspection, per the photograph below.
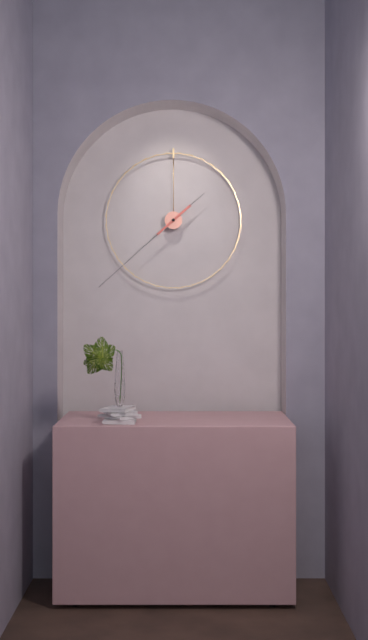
1:38
